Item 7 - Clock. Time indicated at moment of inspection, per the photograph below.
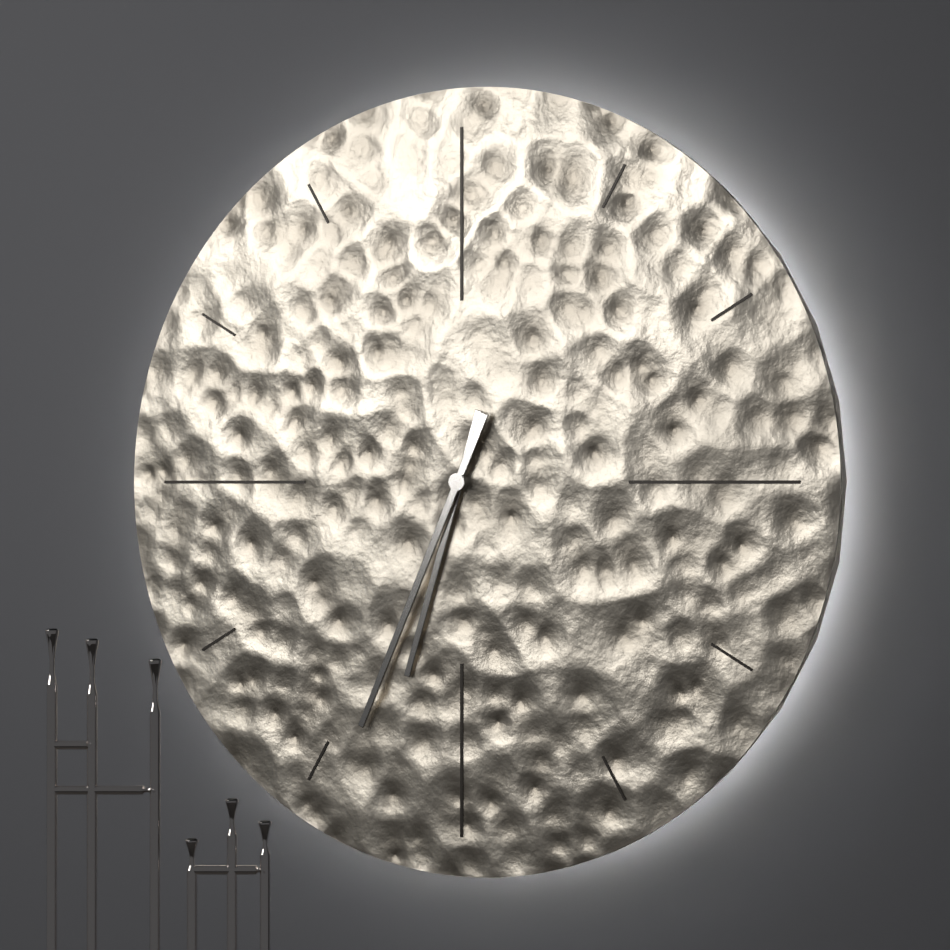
6:34
